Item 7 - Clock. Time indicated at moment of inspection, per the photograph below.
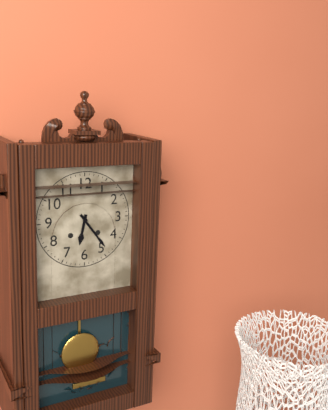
6:24
